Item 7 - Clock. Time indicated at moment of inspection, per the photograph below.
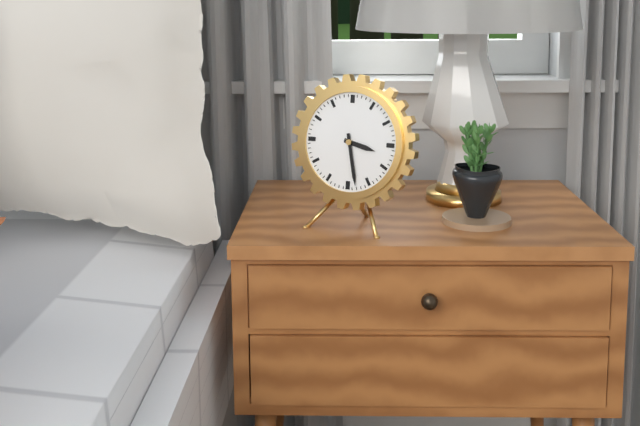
3:28
